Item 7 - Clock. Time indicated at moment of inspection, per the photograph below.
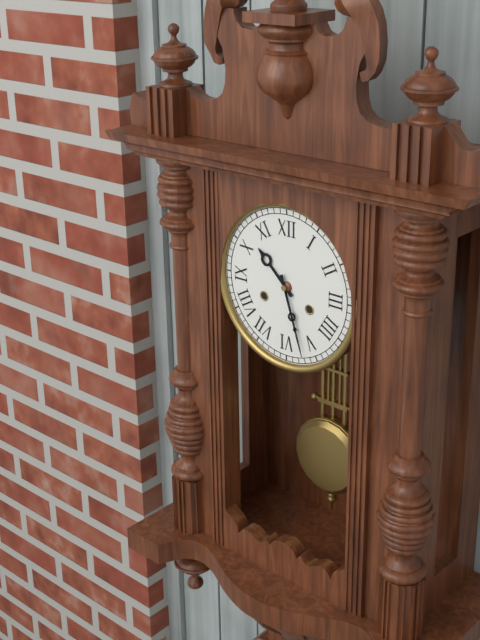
10:27
